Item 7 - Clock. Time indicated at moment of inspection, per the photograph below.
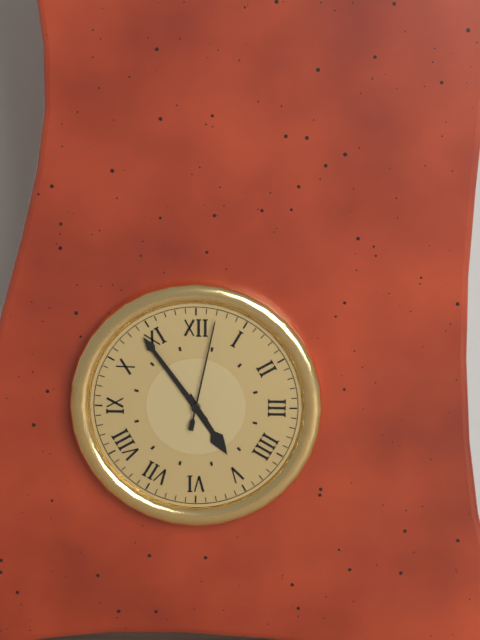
4:54:02
